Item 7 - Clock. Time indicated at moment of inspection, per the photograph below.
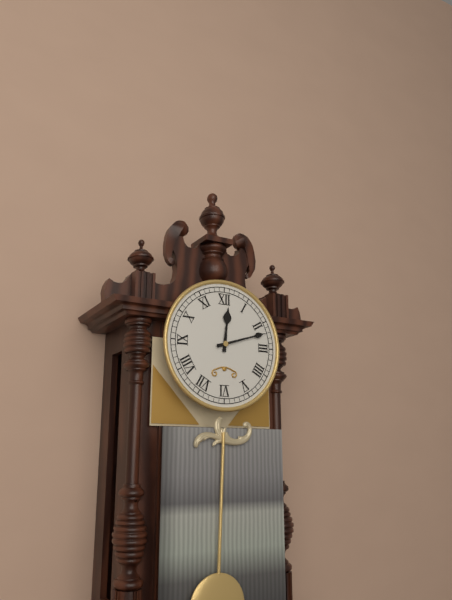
12:12
